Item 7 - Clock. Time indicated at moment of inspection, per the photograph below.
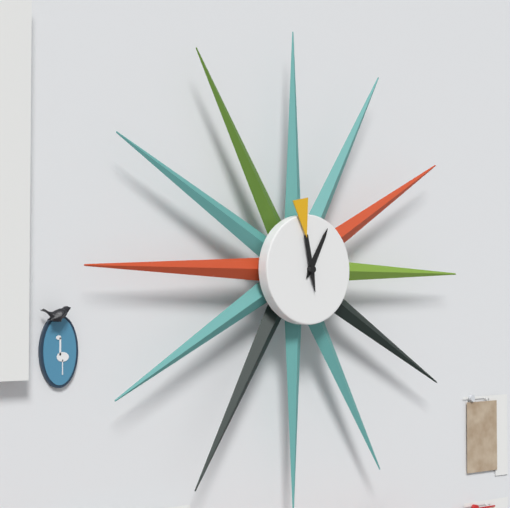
12:58
